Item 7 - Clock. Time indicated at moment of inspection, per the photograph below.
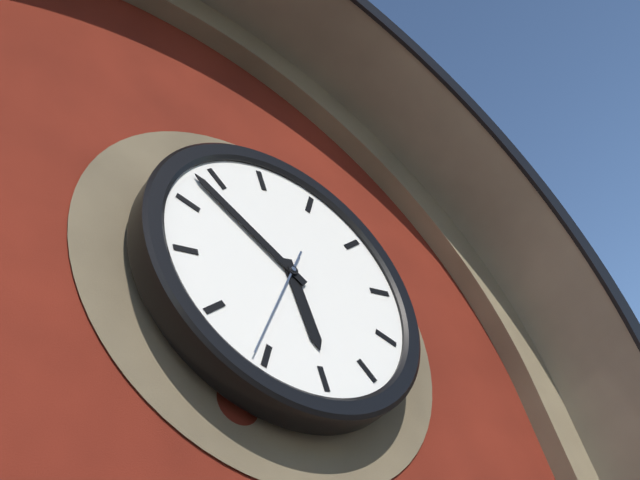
5:53:36
